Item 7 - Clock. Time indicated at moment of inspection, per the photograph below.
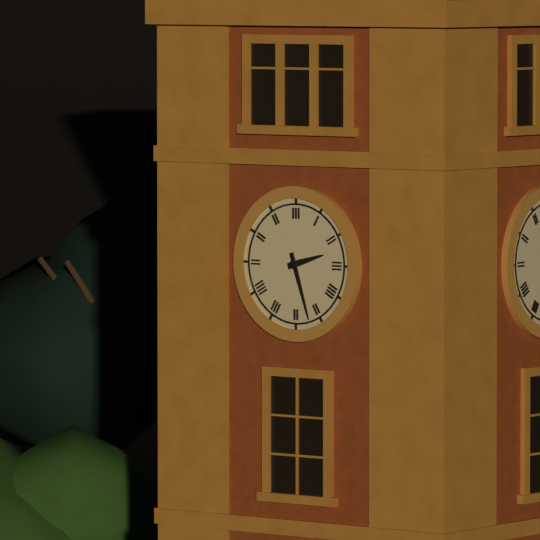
2:27
